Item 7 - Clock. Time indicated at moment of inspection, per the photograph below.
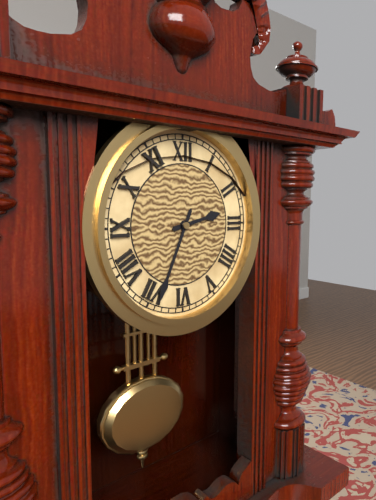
2:34
